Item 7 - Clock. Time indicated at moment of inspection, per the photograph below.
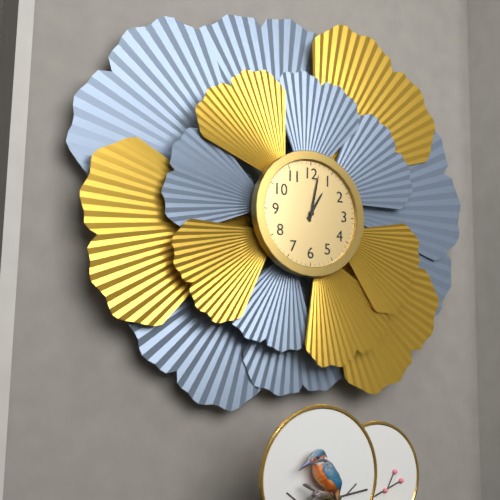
1:02
